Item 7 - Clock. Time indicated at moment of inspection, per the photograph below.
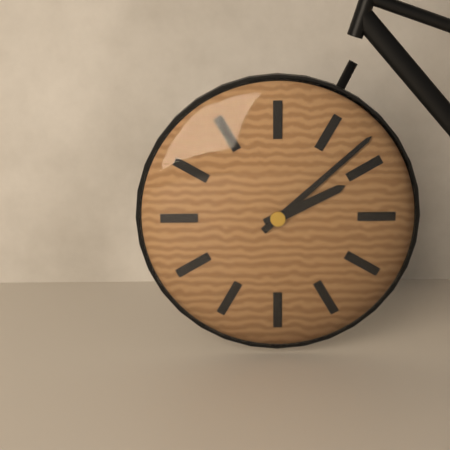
2:08
